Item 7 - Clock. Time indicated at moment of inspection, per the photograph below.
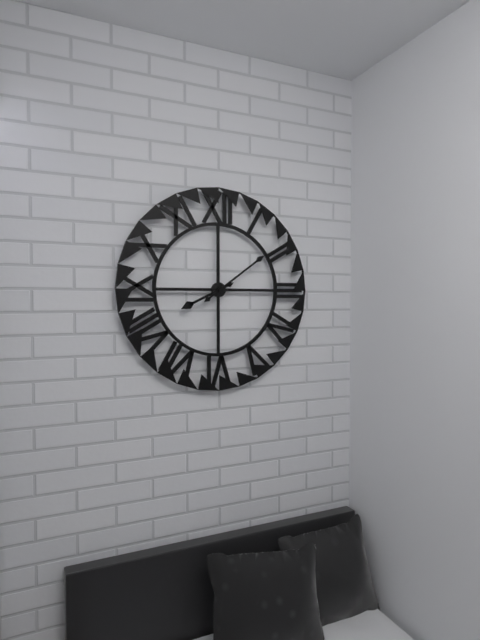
8:09
